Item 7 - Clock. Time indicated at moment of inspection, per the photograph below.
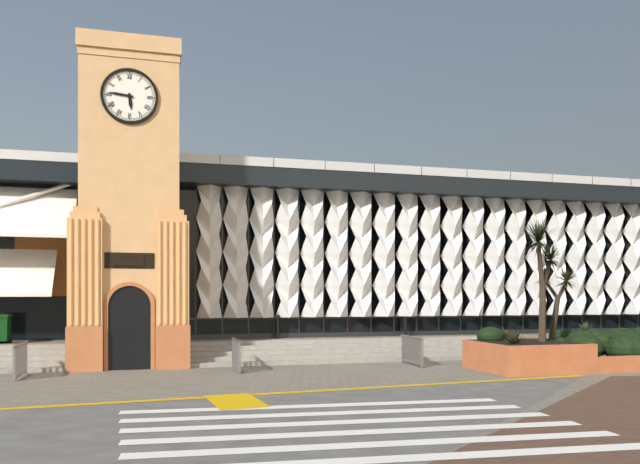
5:46
